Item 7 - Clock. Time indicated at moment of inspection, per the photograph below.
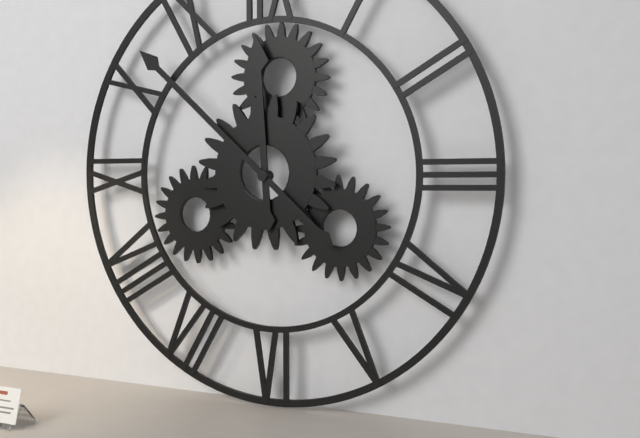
11:52
